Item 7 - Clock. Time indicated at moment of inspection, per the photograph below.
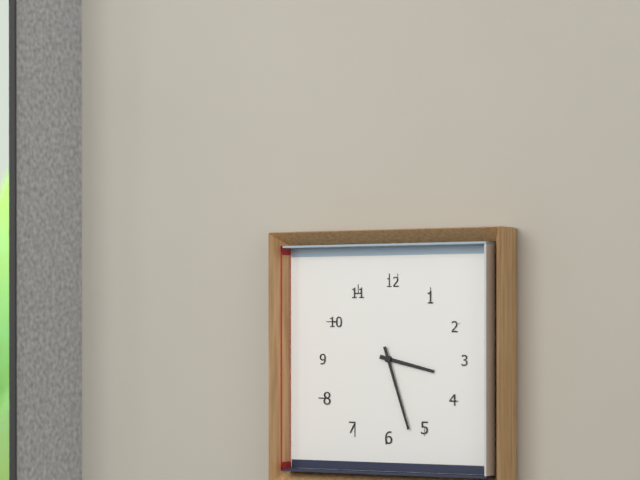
3:27
